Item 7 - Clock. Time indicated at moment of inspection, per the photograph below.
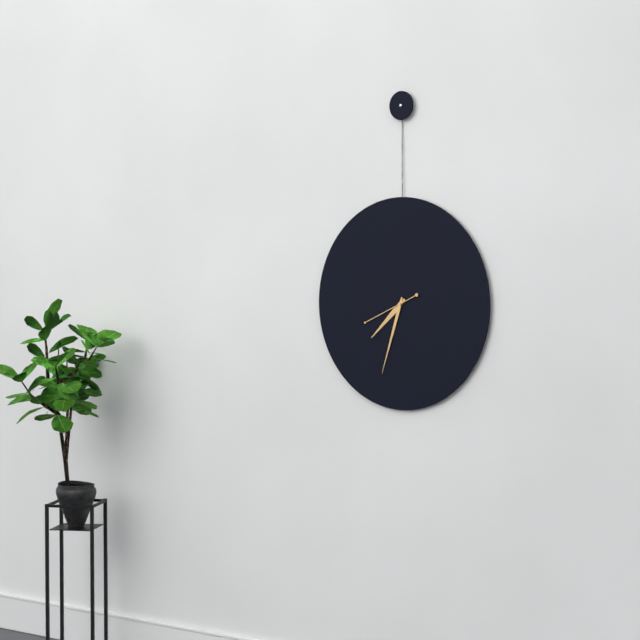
7:33:41
